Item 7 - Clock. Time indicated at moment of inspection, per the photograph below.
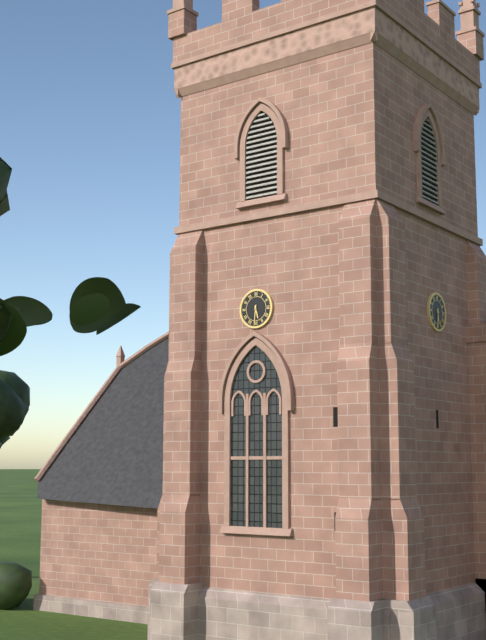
5:31
